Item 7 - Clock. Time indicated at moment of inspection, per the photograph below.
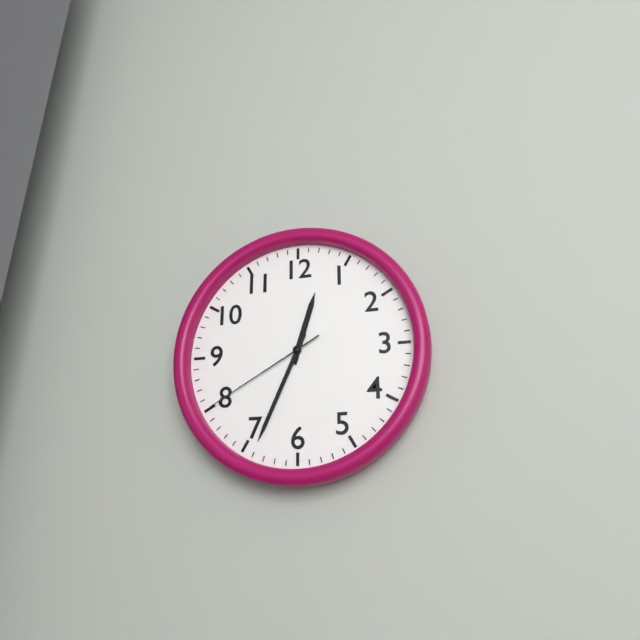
12:34:40
